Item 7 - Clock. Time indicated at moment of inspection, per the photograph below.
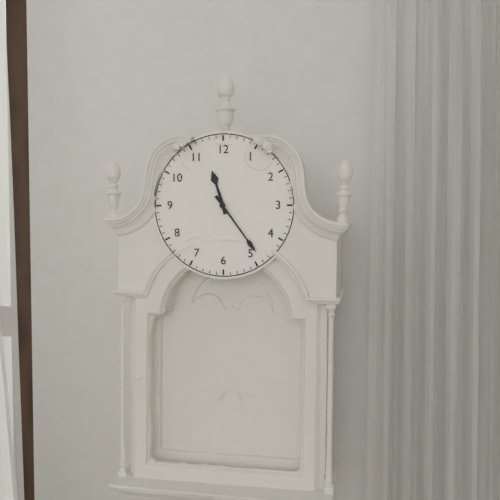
11:24
